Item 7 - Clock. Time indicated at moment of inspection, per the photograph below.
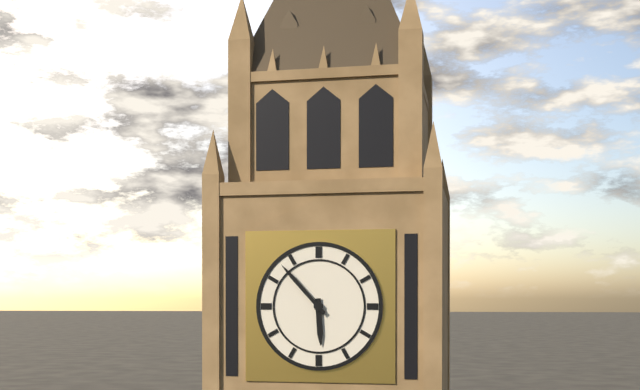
5:53
